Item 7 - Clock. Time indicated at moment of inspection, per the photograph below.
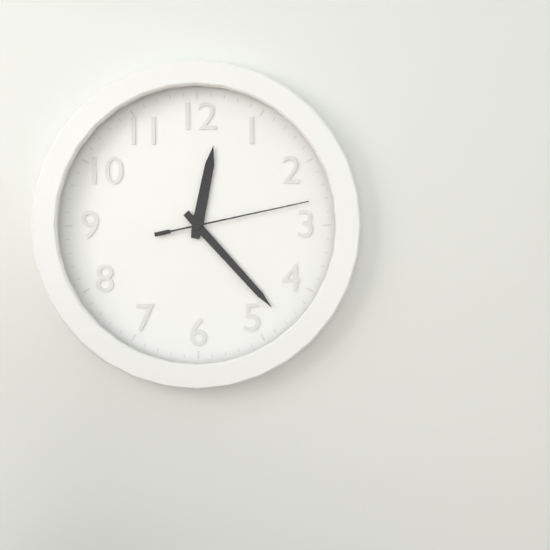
12:23:13
